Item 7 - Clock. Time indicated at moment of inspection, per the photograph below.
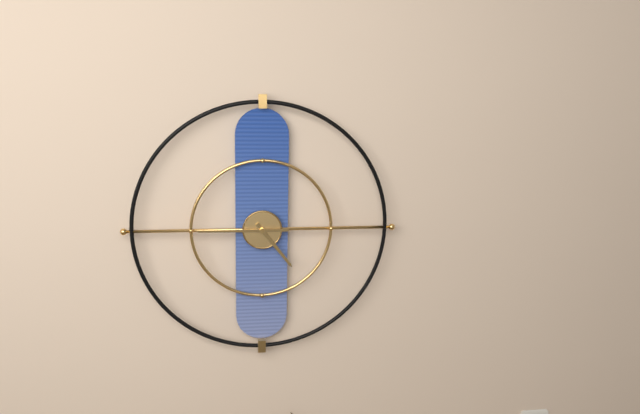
4:45
